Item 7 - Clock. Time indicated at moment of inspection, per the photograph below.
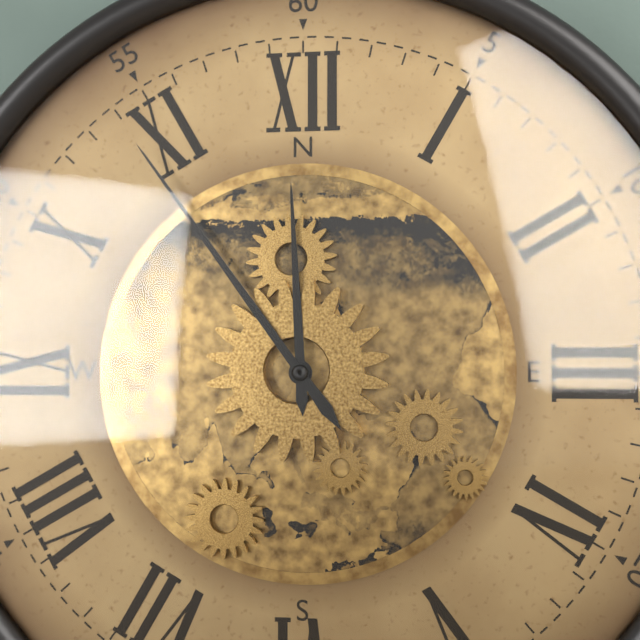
11:54
